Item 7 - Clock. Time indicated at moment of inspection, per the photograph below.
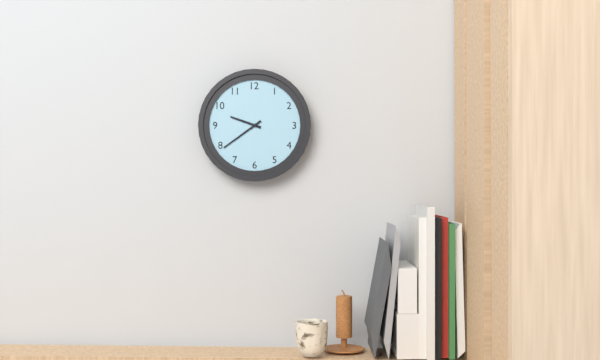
9:39
